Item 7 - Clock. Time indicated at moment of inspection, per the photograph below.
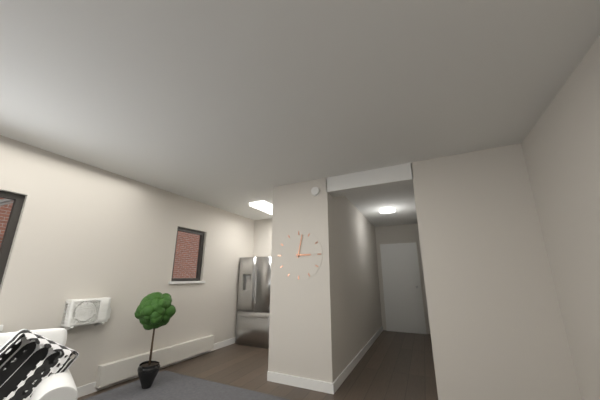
3:02
